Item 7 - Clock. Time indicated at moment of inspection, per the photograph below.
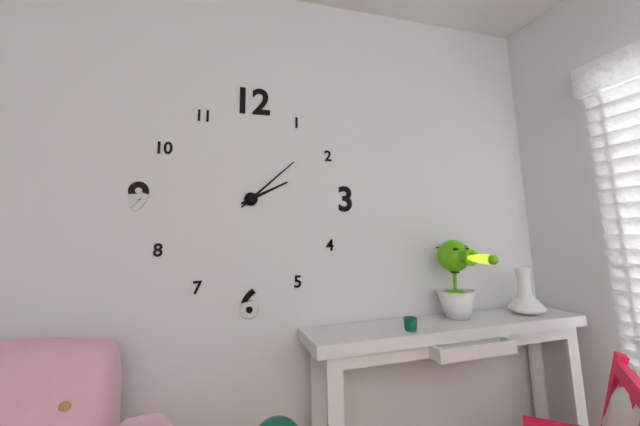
2:08
